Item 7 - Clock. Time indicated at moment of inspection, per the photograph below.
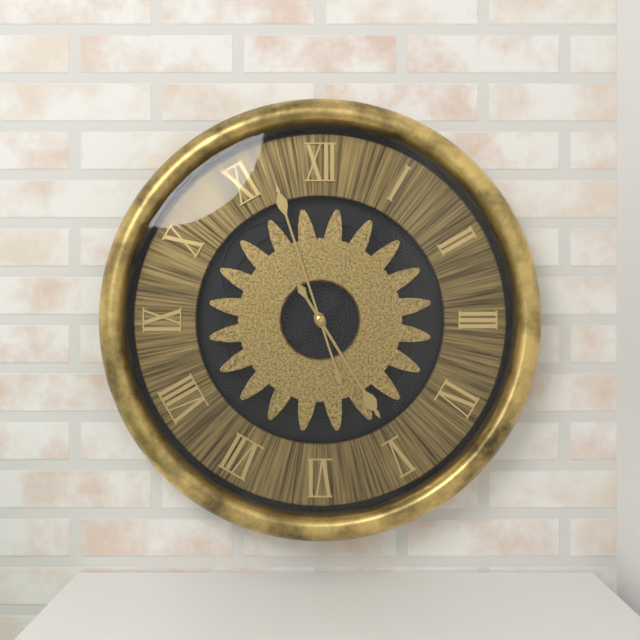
4:57
